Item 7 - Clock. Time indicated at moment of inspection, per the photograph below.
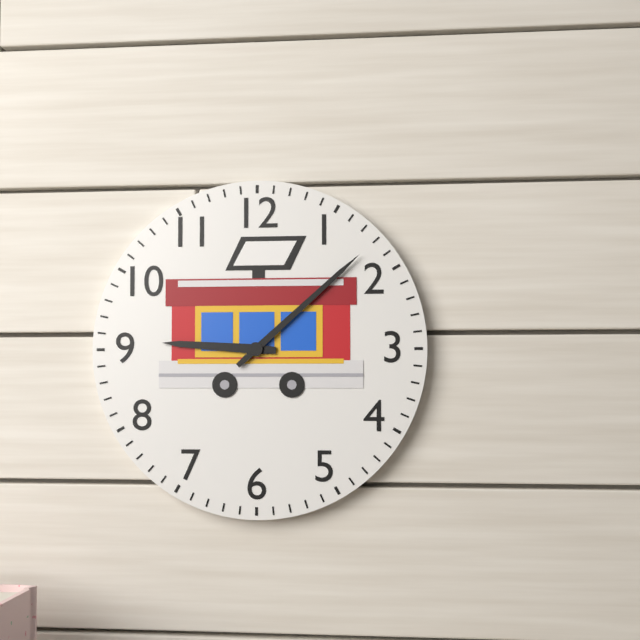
9:08
